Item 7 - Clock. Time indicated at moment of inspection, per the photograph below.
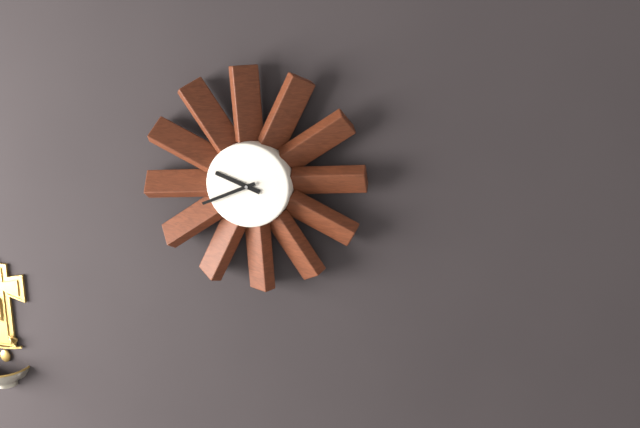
9:41
